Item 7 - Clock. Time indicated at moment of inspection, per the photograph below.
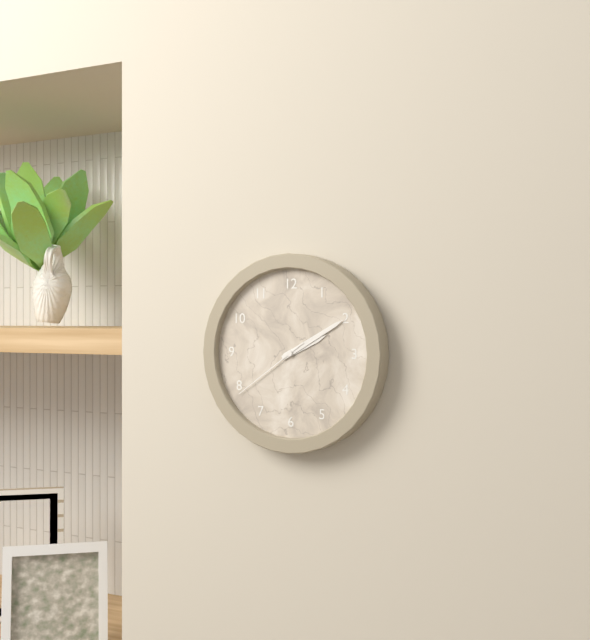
2:10:39
